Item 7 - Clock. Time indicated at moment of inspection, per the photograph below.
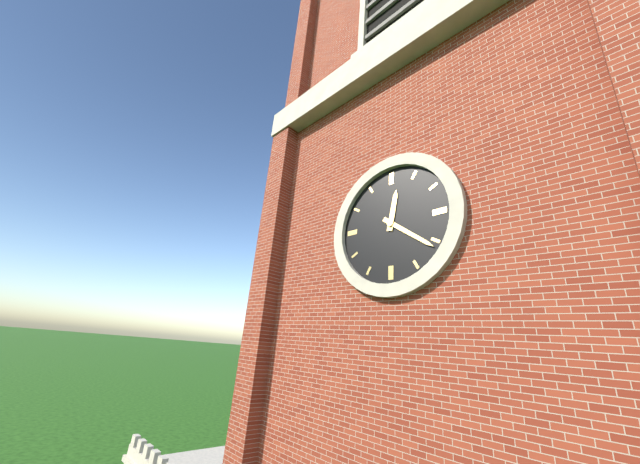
12:21
